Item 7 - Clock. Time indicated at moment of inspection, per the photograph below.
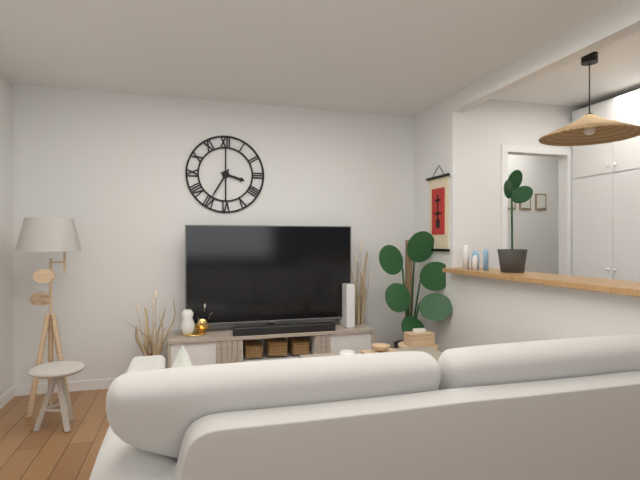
3:35
